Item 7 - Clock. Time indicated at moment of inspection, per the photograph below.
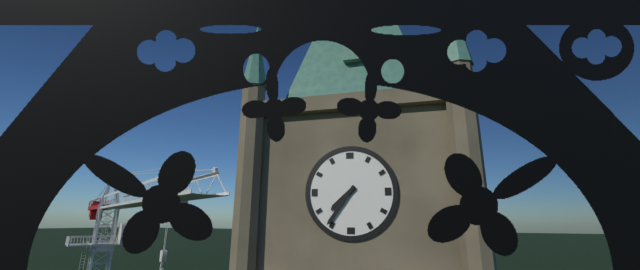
7:36
